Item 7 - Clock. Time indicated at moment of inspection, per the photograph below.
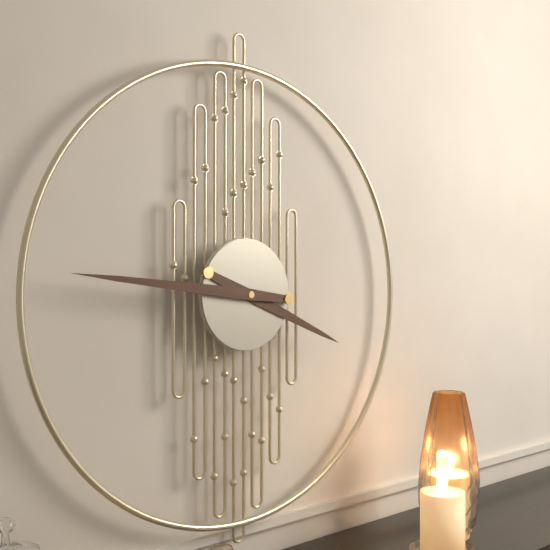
3:46
